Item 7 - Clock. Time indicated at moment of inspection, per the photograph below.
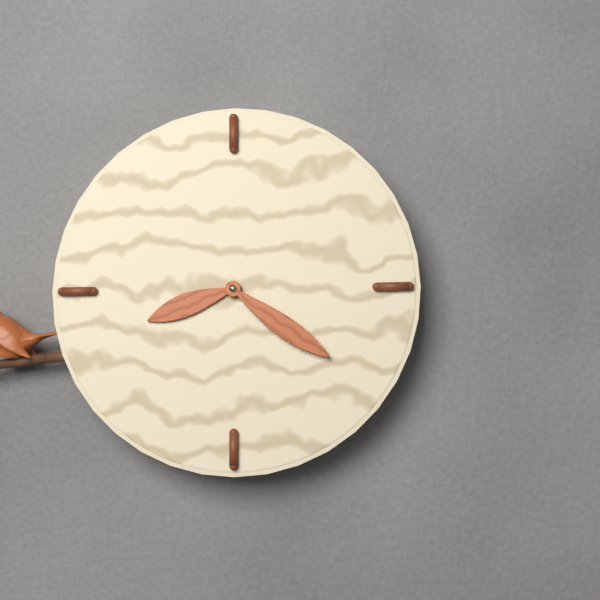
8:21
